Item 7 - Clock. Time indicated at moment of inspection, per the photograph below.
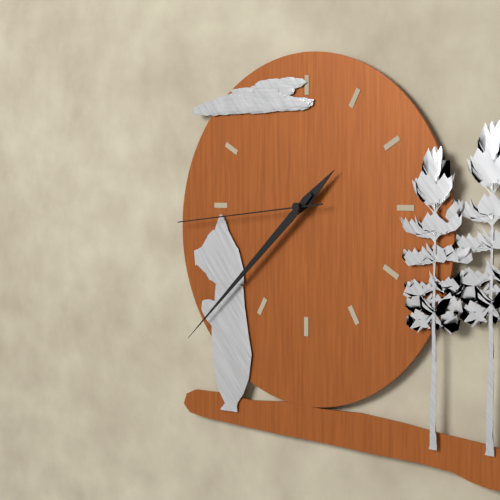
1:38:44
